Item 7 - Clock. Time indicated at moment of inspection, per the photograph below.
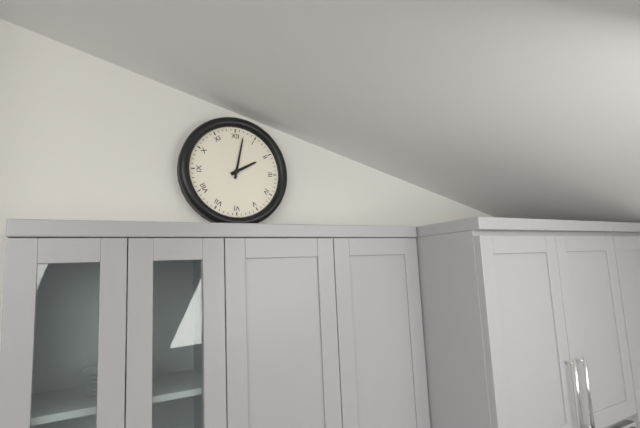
2:02
